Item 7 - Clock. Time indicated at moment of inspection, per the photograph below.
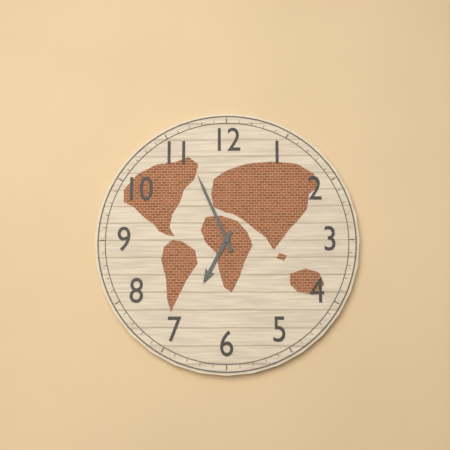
6:56
